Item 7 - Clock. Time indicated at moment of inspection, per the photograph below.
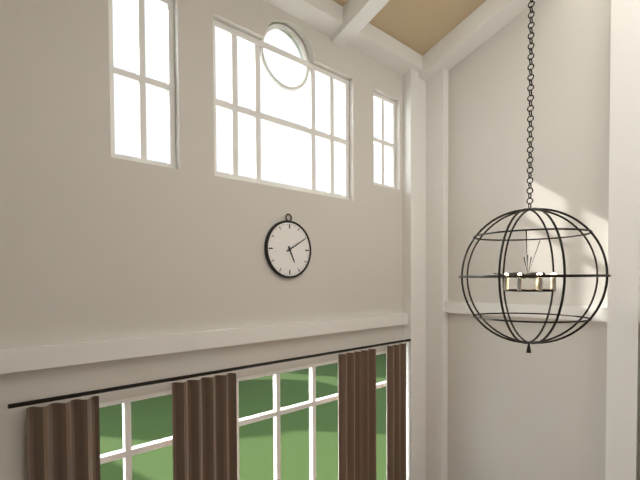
5:10
